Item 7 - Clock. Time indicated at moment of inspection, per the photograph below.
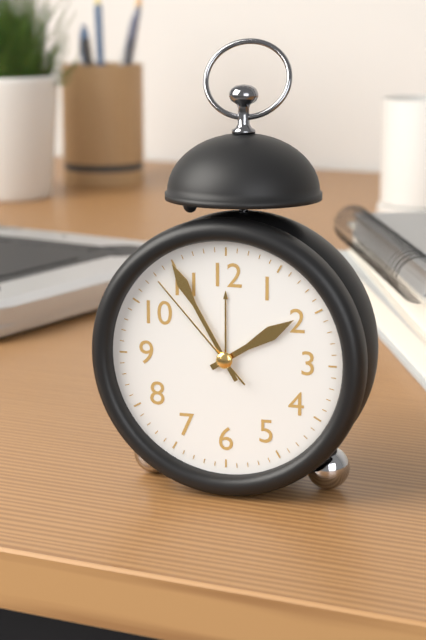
1:55:53
